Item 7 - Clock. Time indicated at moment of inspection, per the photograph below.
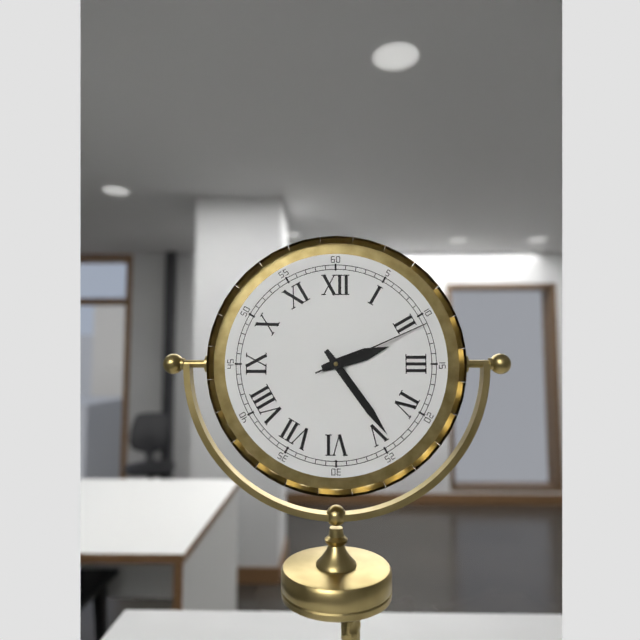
2:24:11
